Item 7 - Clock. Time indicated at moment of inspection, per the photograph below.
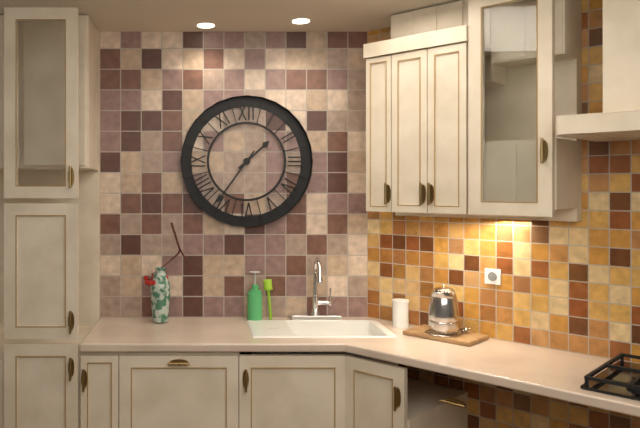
1:36
